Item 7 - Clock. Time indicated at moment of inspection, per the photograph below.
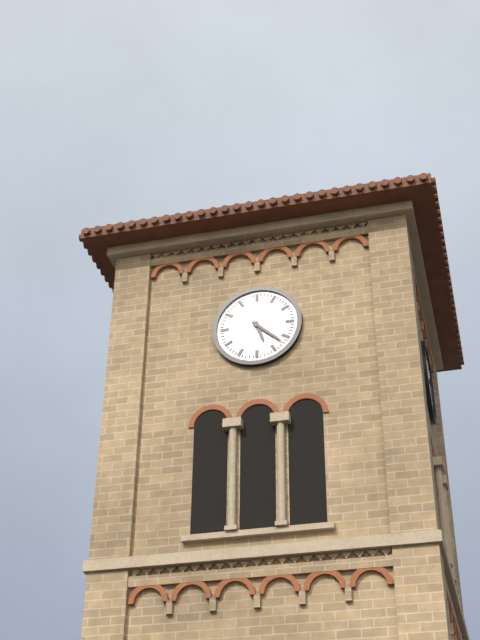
5:22
